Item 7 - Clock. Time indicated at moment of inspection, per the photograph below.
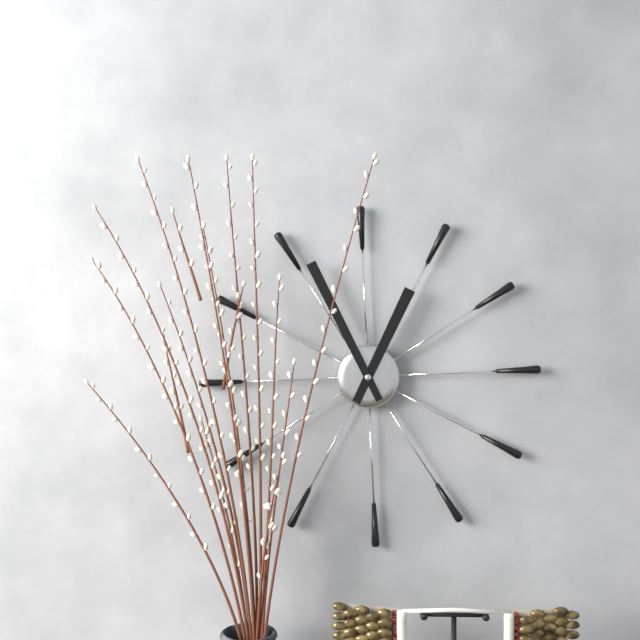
12:56
